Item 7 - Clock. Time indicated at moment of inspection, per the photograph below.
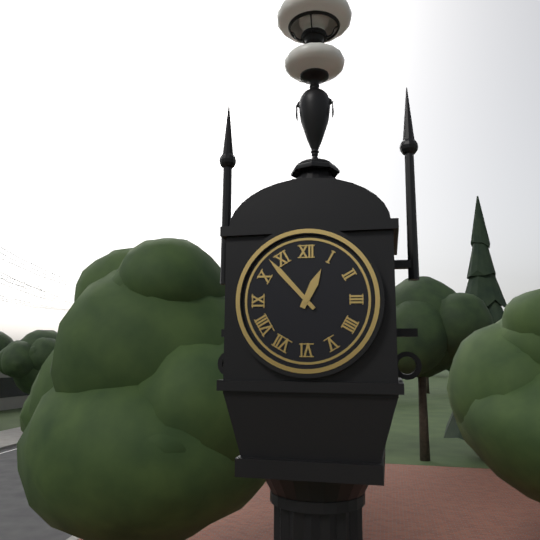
12:53
